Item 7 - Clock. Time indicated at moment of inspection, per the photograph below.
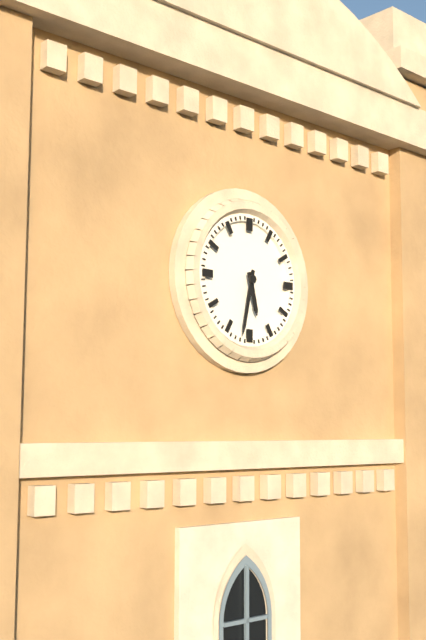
5:32
